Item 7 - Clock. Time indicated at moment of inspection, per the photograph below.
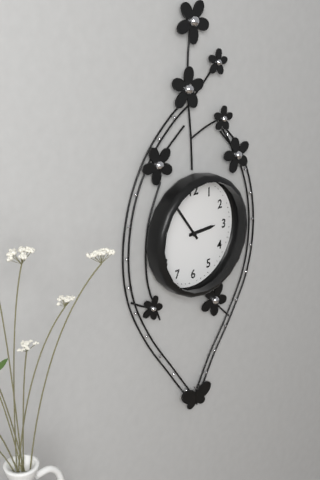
2:54
